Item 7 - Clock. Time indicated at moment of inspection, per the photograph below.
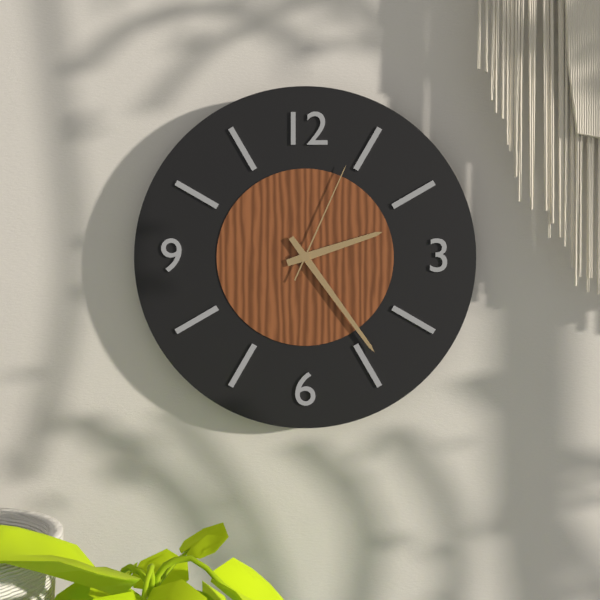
2:24:04
